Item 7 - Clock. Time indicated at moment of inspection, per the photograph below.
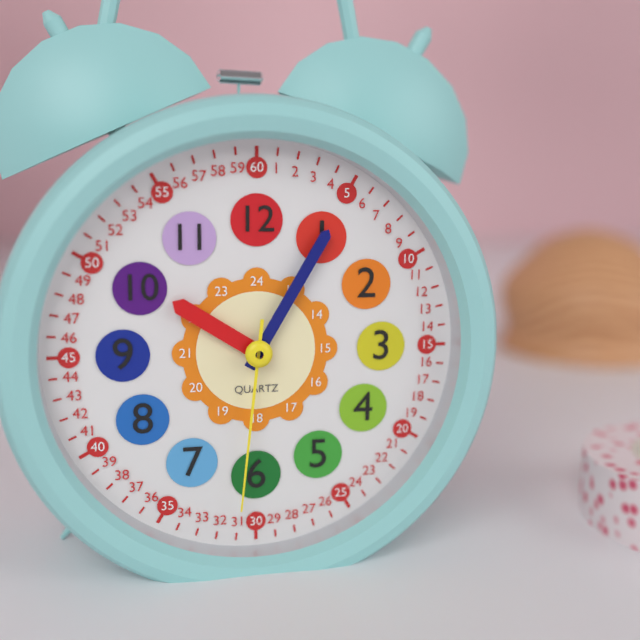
10:05:31
